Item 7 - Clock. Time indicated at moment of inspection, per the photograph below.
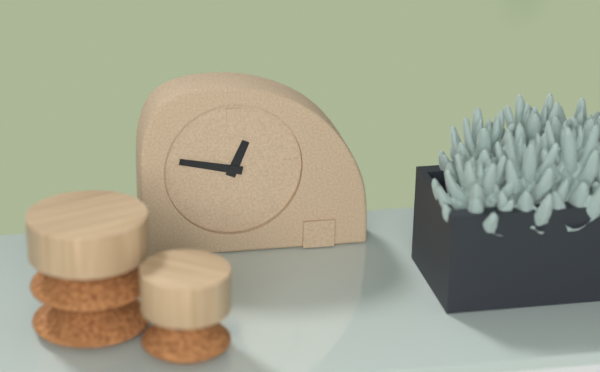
12:47
